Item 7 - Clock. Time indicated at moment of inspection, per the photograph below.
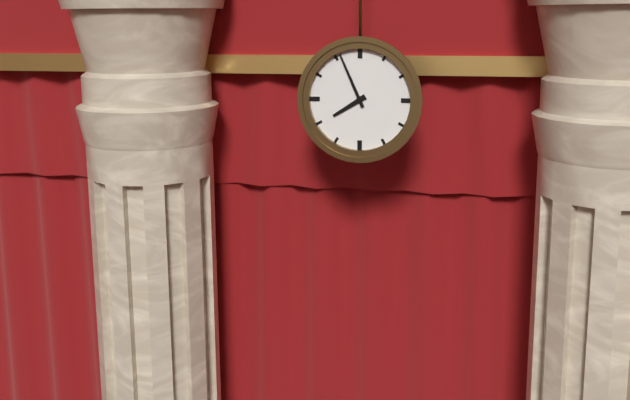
7:56
